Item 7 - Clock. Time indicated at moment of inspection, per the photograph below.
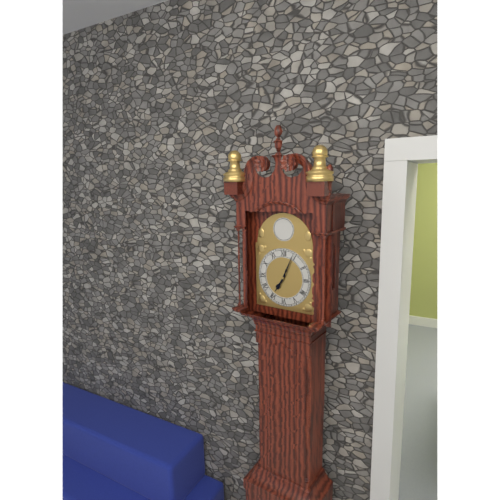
7:04
